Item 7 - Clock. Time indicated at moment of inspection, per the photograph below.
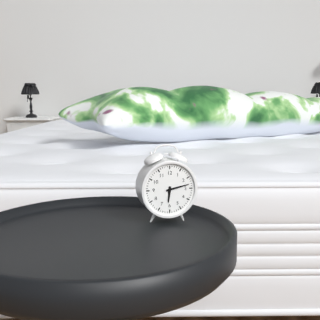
6:13
